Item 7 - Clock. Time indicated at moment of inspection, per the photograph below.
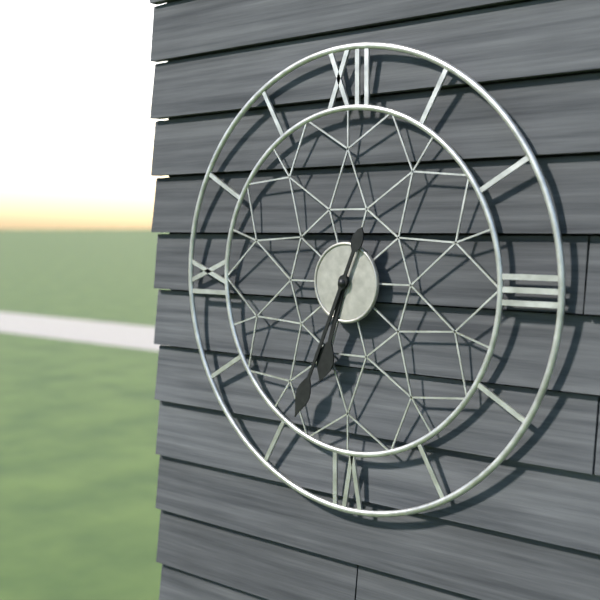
6:34
